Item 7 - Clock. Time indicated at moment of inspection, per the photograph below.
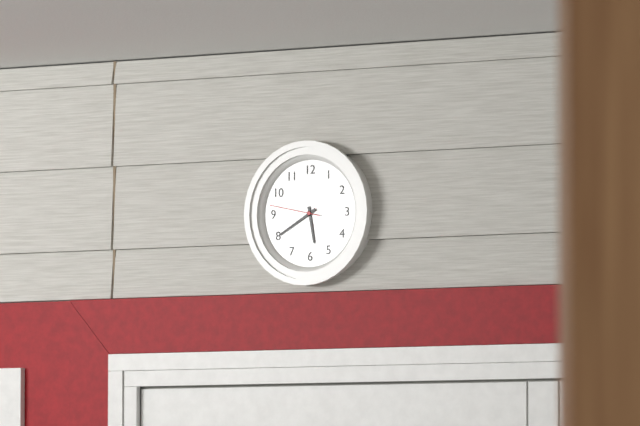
5:40:47
